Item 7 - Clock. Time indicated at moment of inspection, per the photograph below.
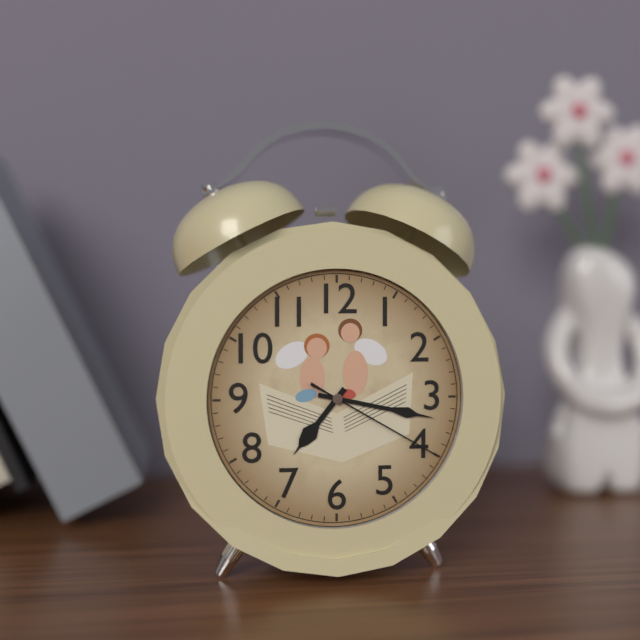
7:17:20
